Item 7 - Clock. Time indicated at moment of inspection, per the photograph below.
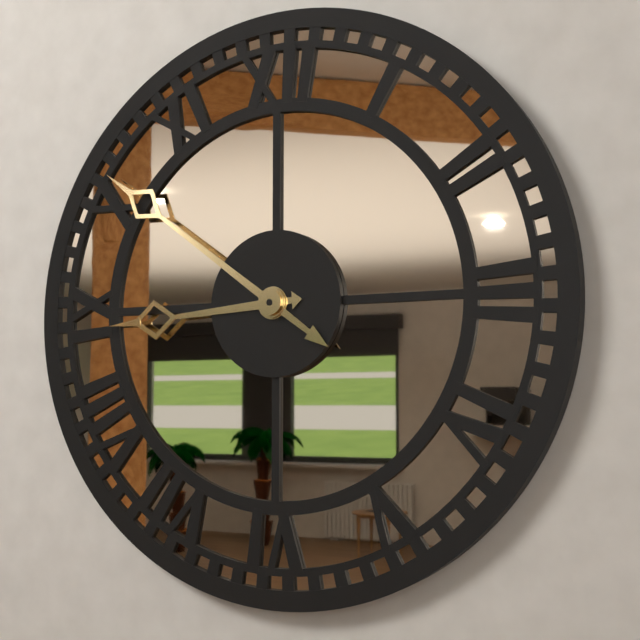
8:51
